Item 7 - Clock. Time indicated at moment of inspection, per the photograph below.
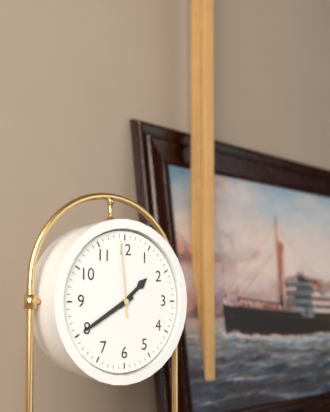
1:40:59
